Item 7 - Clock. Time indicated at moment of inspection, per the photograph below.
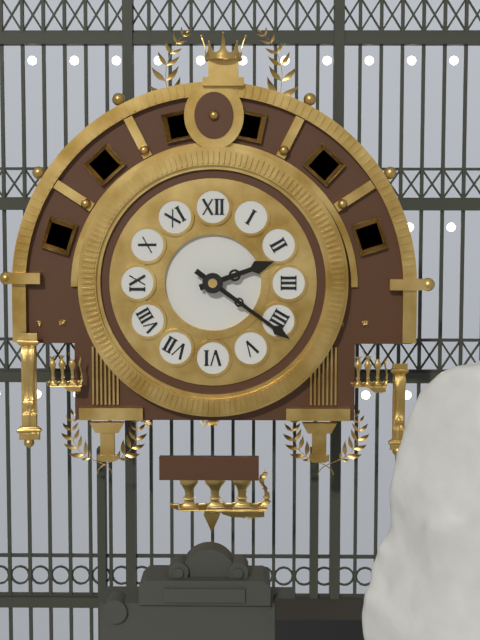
2:21
